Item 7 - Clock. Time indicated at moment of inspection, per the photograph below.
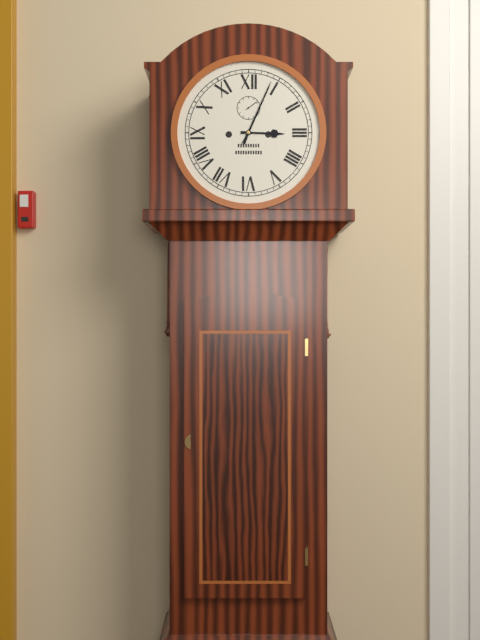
3:04
